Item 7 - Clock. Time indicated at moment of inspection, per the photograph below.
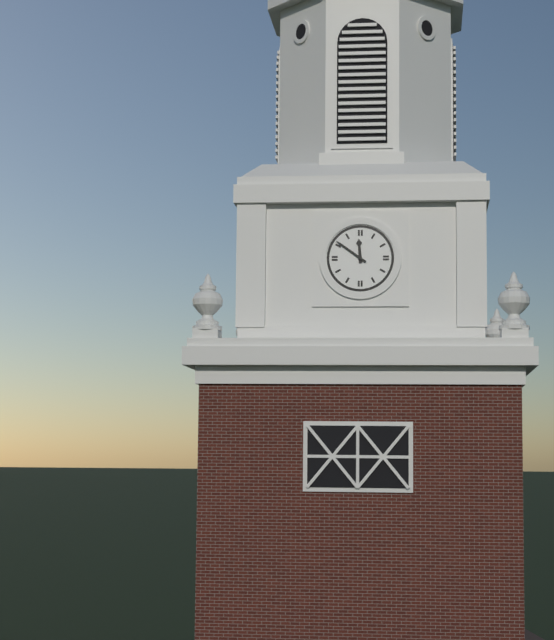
11:51
